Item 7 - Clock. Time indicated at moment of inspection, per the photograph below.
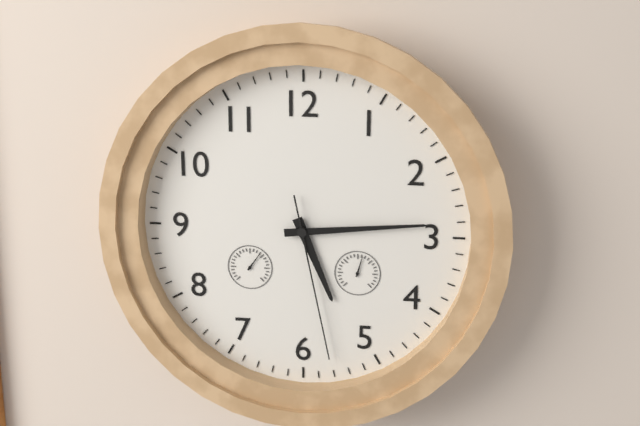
5:14:28
